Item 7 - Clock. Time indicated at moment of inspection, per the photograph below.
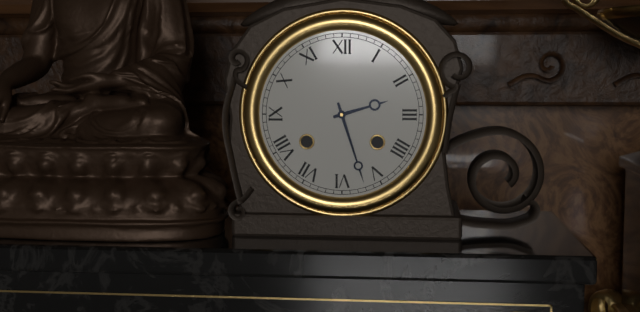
2:27
